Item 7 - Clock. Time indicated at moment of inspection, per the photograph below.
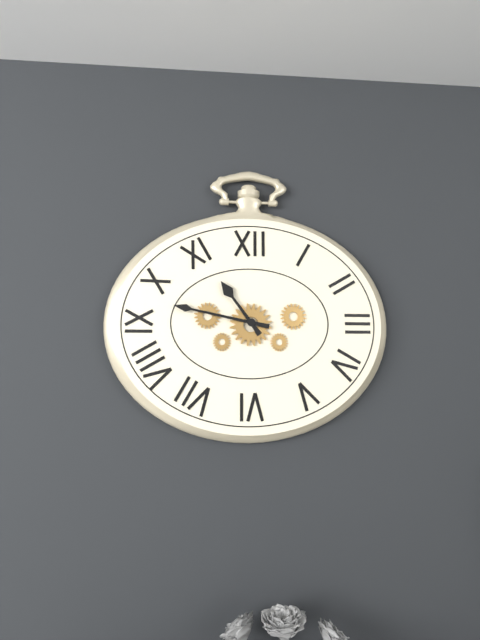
10:47
